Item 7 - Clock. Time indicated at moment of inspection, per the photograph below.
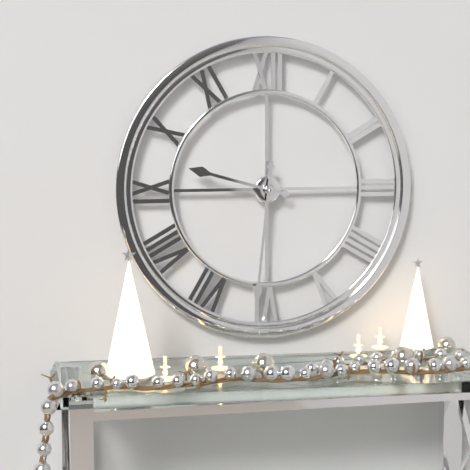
9:31
